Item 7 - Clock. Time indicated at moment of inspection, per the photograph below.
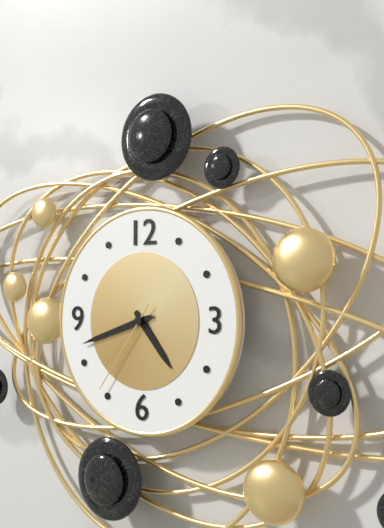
4:42:36
